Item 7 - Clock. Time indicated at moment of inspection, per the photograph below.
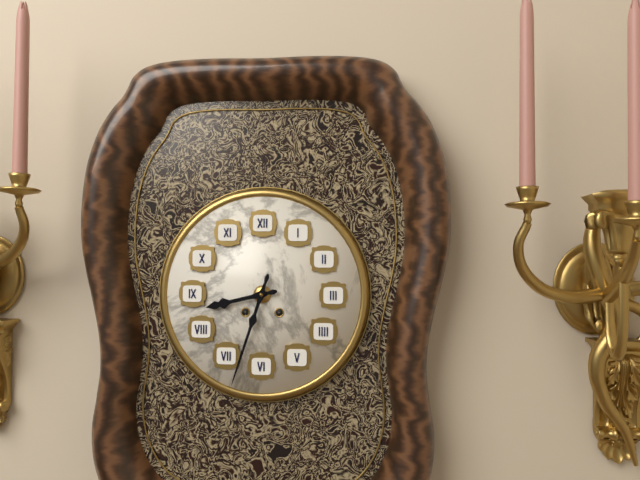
8:33
